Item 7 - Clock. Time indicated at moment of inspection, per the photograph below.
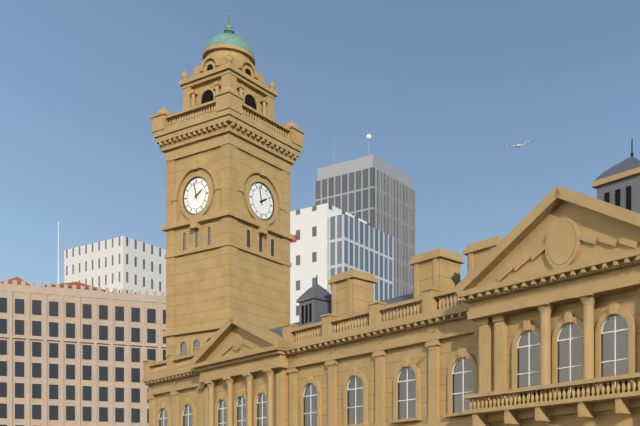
1:58
